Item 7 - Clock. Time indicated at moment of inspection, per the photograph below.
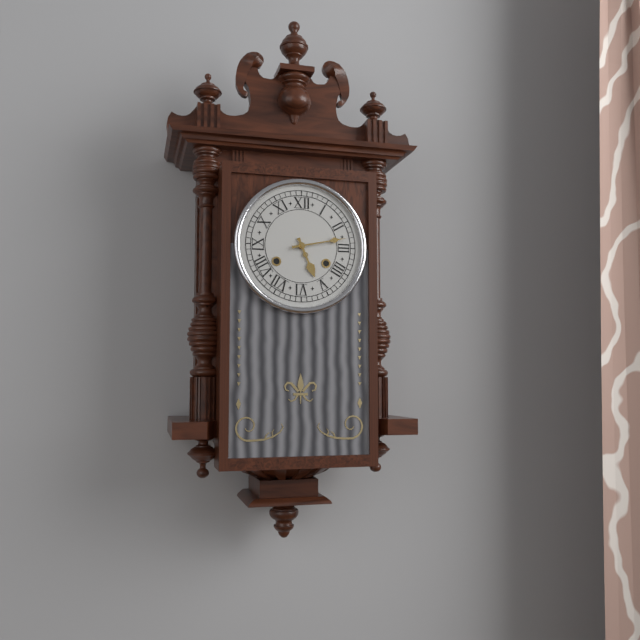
5:13
